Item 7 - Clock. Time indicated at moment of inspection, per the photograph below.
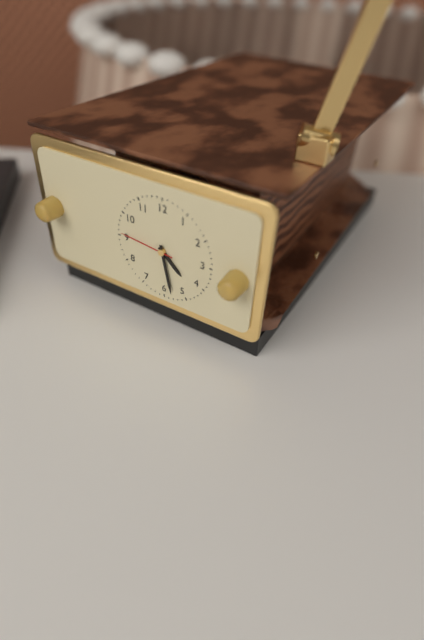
4:28:46
